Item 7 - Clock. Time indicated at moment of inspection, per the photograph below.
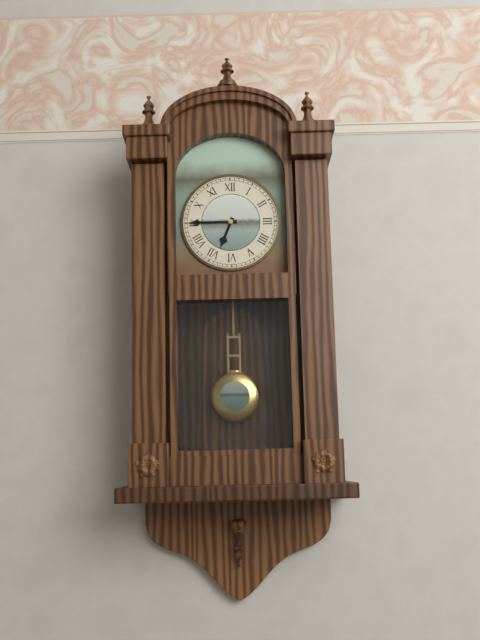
6:45
